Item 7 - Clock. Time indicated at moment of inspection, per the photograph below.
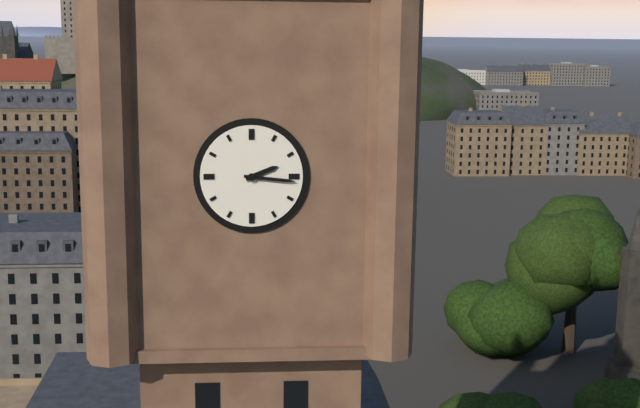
2:16
